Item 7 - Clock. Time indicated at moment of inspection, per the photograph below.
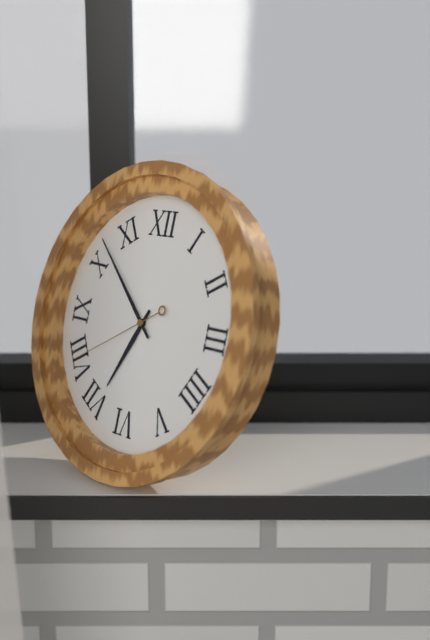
6:52:40
